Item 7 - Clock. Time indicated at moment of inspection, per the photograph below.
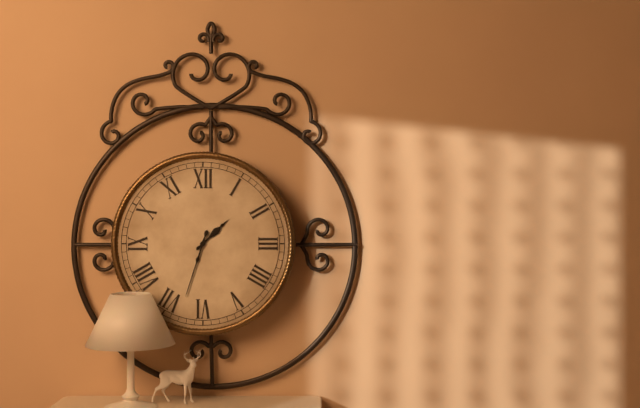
1:33
